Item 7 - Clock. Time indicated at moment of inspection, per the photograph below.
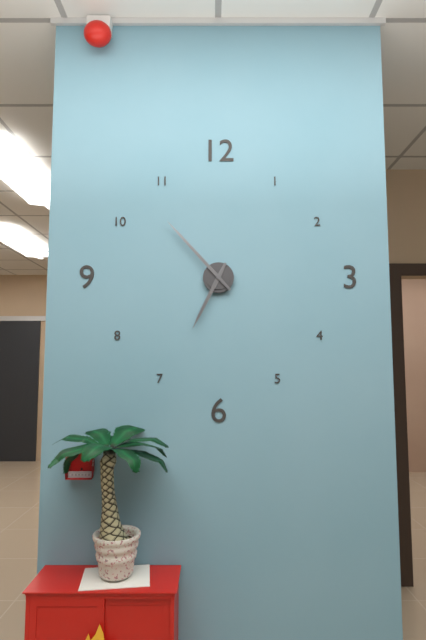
6:53
